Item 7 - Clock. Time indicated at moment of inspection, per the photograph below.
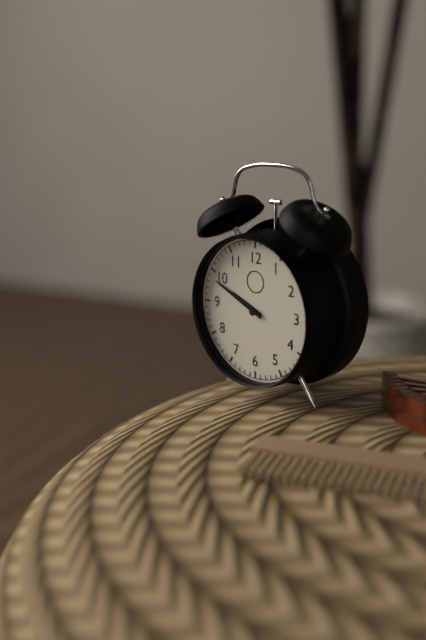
9:49
